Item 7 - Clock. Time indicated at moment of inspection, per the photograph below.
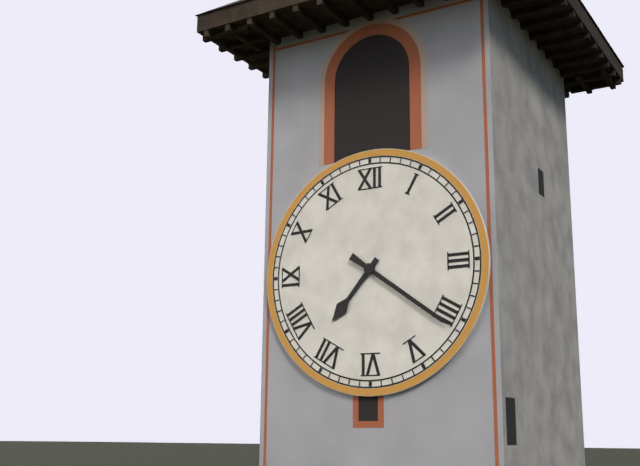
7:21
